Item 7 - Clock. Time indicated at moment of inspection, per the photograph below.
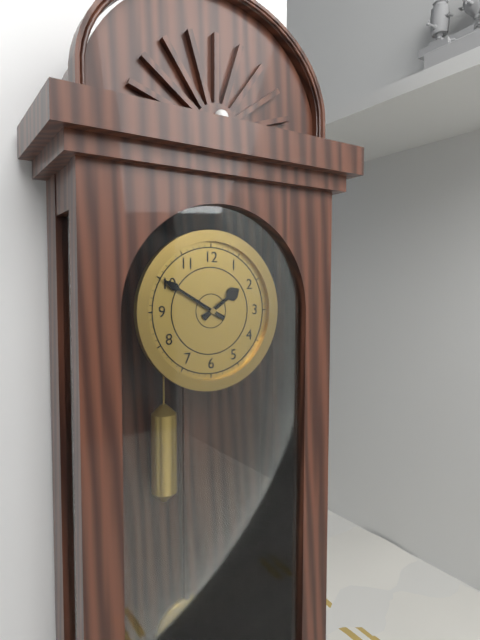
1:50
